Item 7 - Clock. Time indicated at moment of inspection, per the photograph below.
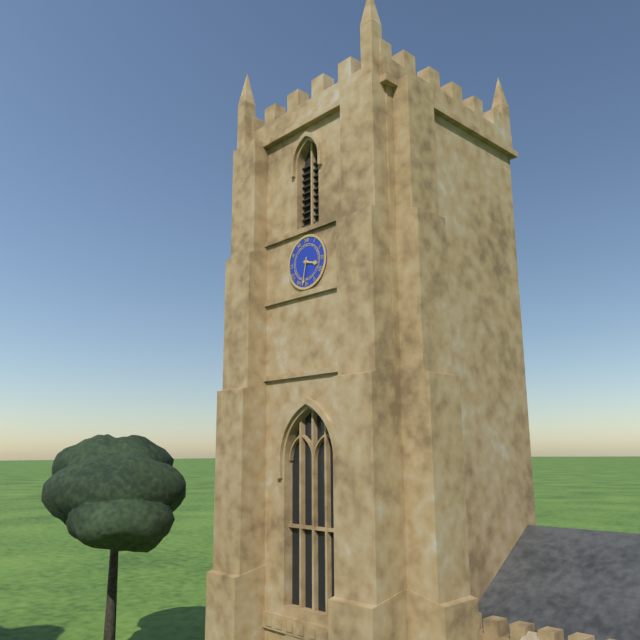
3:32
